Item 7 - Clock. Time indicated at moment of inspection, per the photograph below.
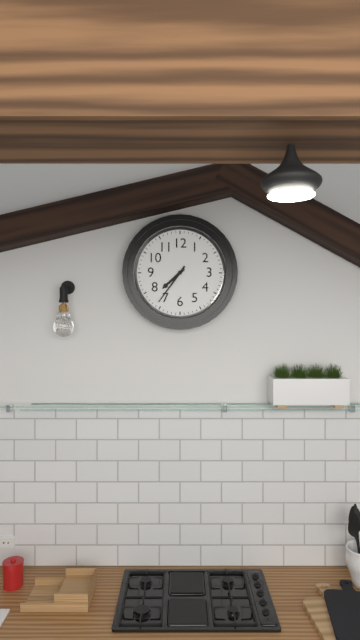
7:36
